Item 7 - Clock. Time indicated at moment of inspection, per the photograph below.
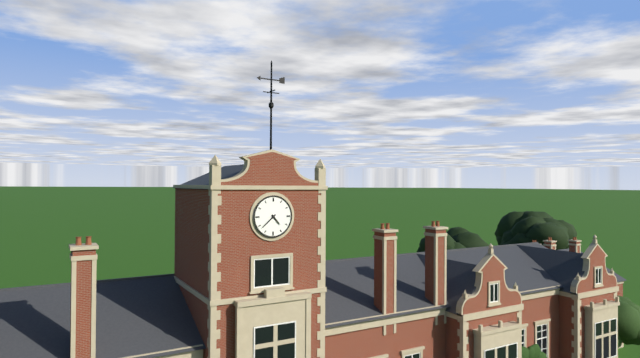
4:38
